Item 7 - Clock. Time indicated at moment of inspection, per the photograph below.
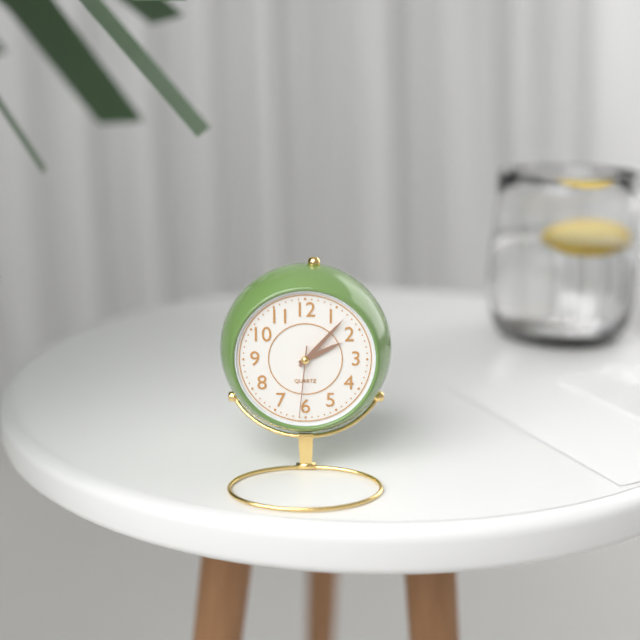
2:07:31
